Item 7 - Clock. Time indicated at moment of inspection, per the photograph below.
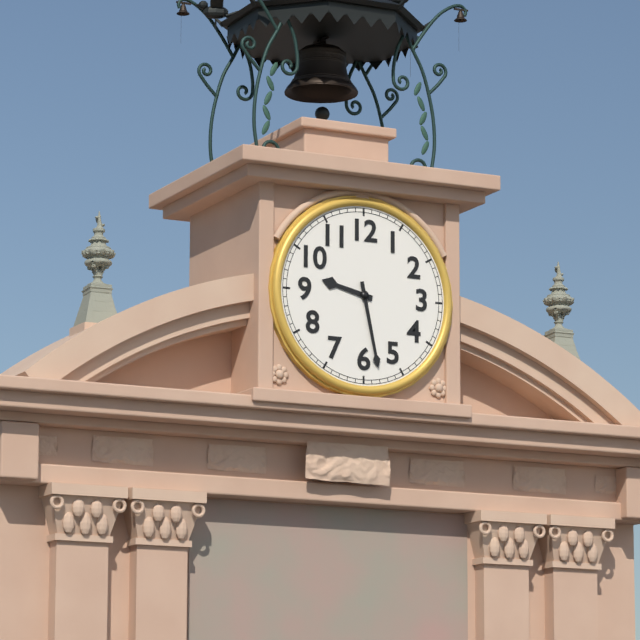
9:28
